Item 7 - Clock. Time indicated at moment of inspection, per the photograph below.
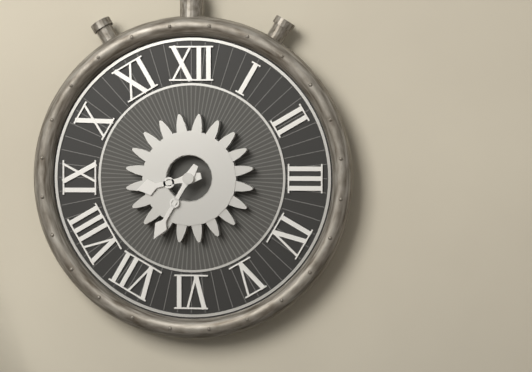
8:35
